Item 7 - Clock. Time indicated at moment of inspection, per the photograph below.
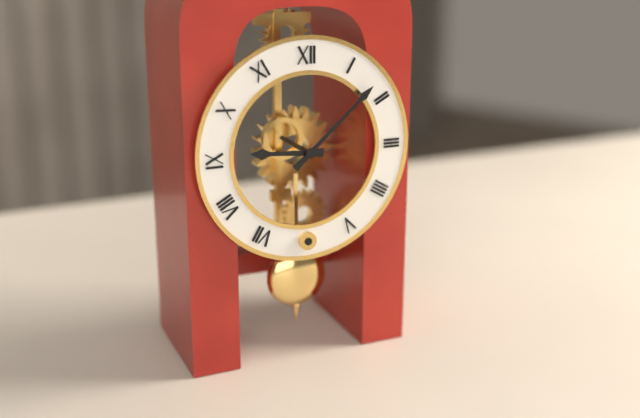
9:08
